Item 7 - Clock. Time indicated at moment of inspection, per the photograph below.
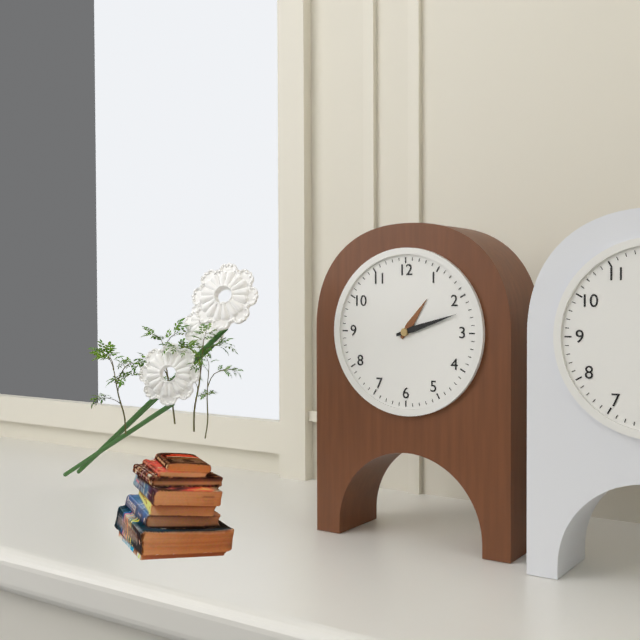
1:12
